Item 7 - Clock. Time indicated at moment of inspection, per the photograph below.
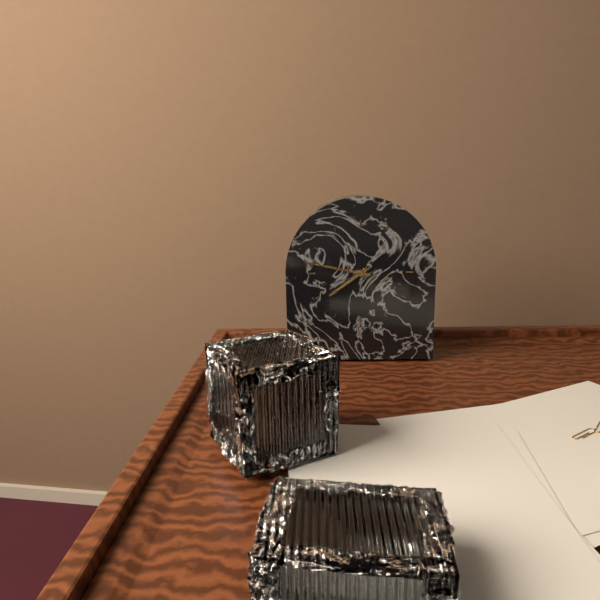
7:47
